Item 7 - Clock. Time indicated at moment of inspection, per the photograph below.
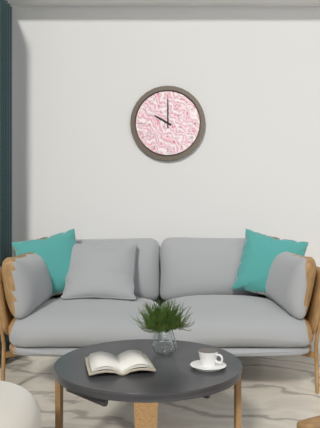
10:00
